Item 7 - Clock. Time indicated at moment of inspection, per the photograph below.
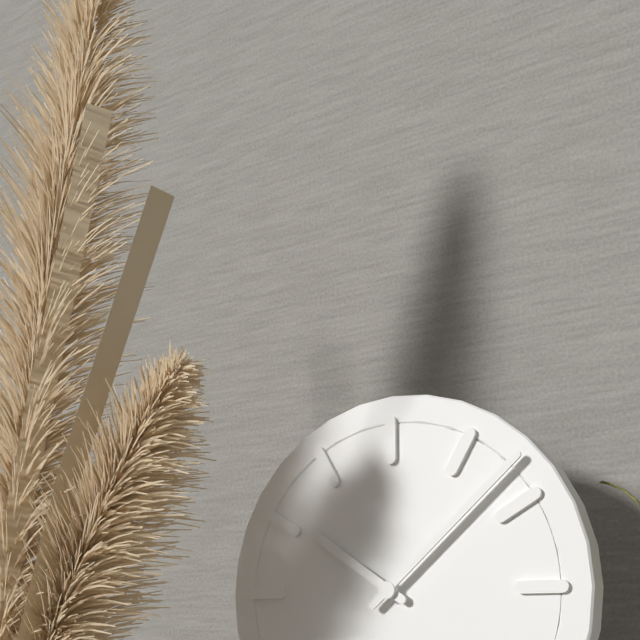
10:08
